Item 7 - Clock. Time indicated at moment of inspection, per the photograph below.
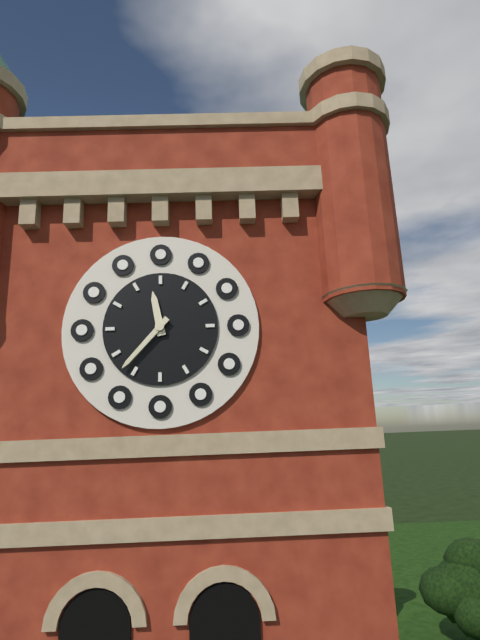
11:37
